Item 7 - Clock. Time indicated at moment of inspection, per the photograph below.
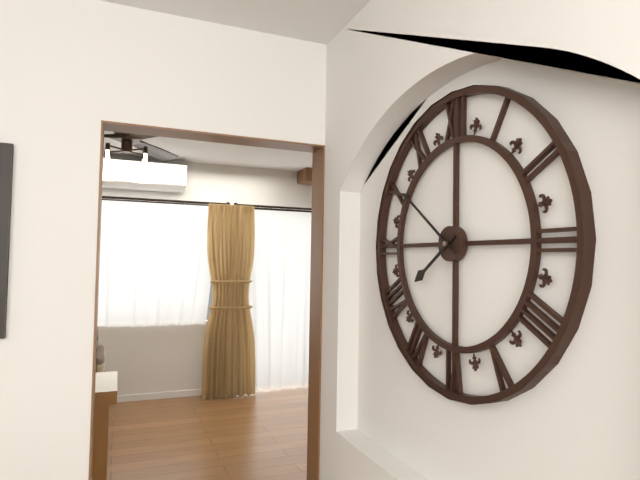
7:51
